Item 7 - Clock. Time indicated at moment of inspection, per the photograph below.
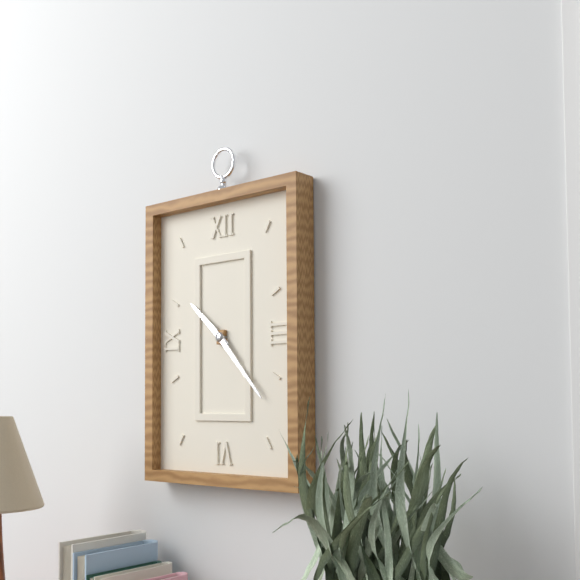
10:23
